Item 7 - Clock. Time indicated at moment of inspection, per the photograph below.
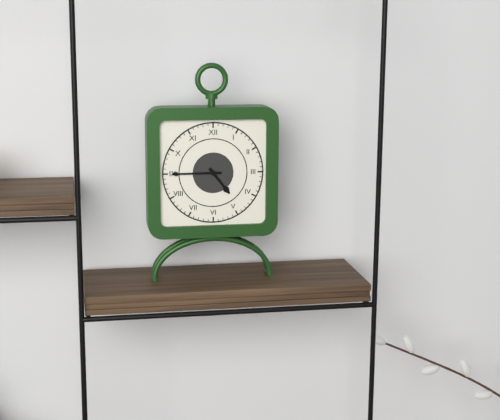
4:45
